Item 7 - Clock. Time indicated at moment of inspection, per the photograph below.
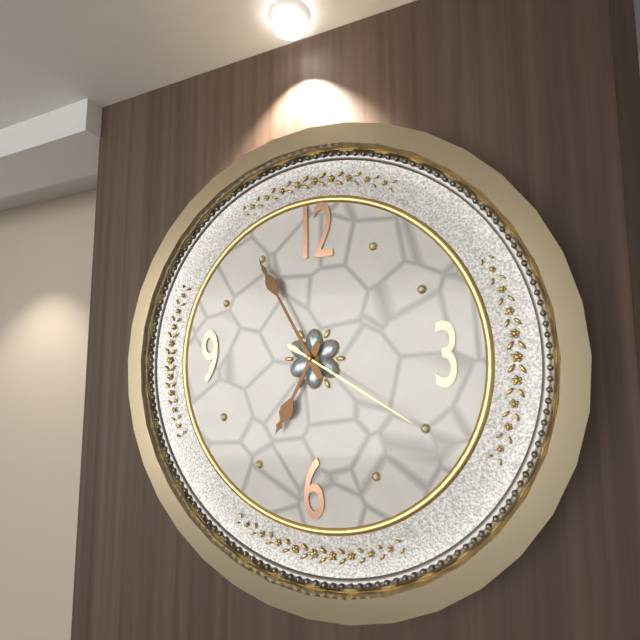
6:55:20
